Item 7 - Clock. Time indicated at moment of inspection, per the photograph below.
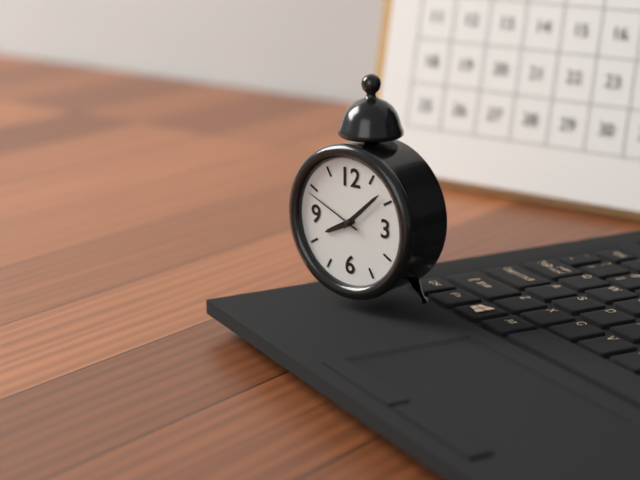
8:08:49
